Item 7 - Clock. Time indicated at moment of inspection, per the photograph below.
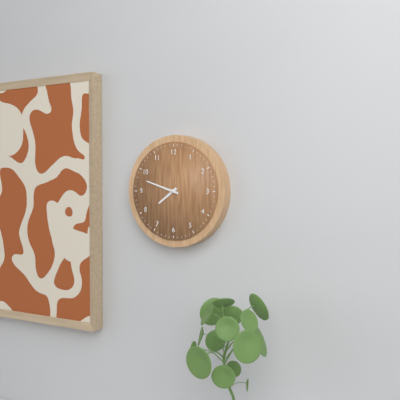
7:48
